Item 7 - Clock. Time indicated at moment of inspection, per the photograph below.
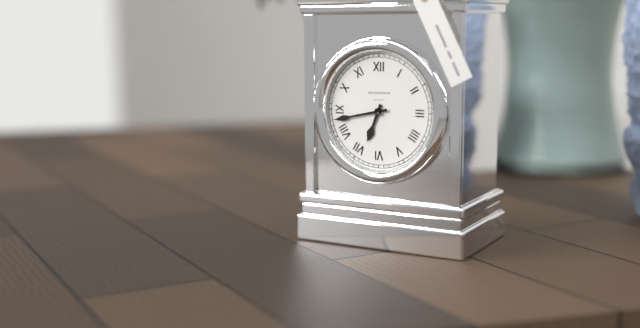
6:43
